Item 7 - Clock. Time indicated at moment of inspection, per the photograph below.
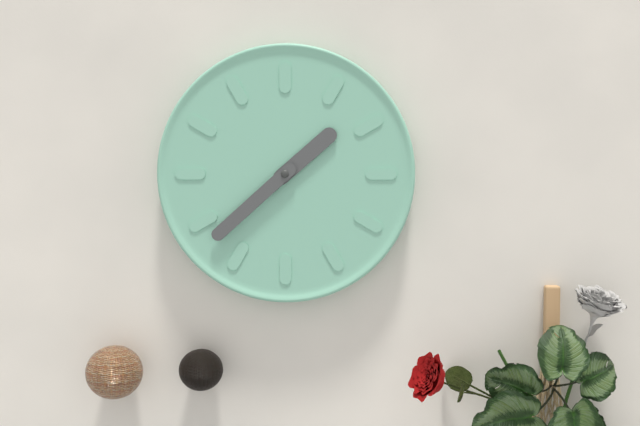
1:38
